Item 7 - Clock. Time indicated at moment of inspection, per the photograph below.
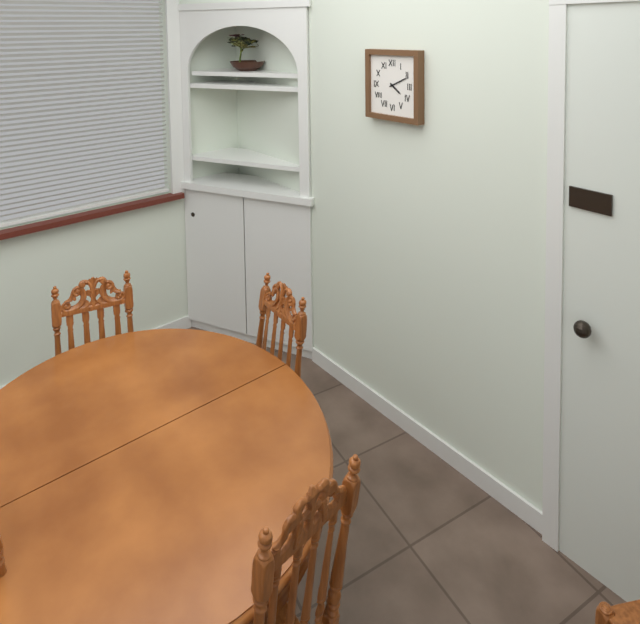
4:11
